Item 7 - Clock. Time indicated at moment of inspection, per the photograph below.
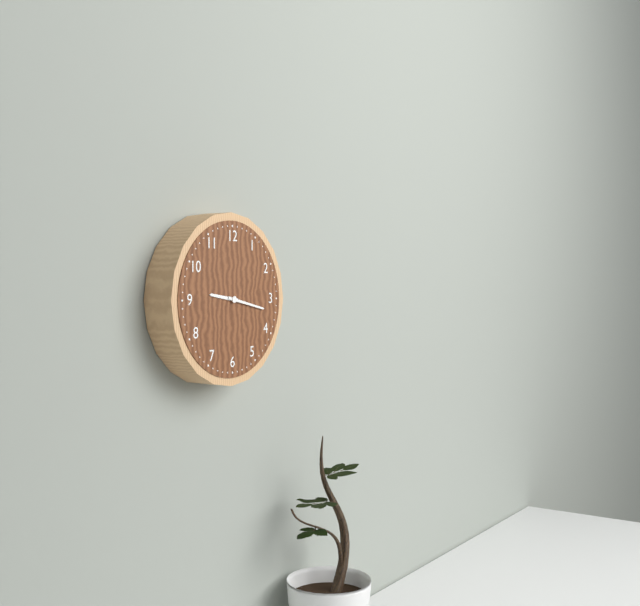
9:17
